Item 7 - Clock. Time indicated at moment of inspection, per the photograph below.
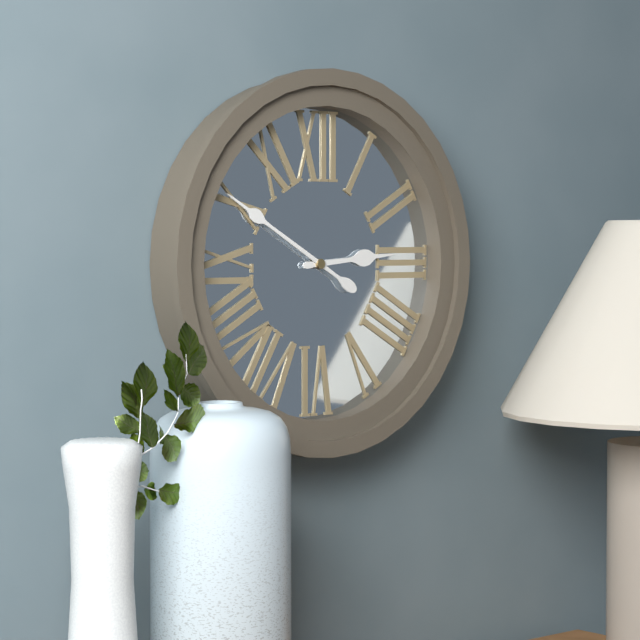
2:50
